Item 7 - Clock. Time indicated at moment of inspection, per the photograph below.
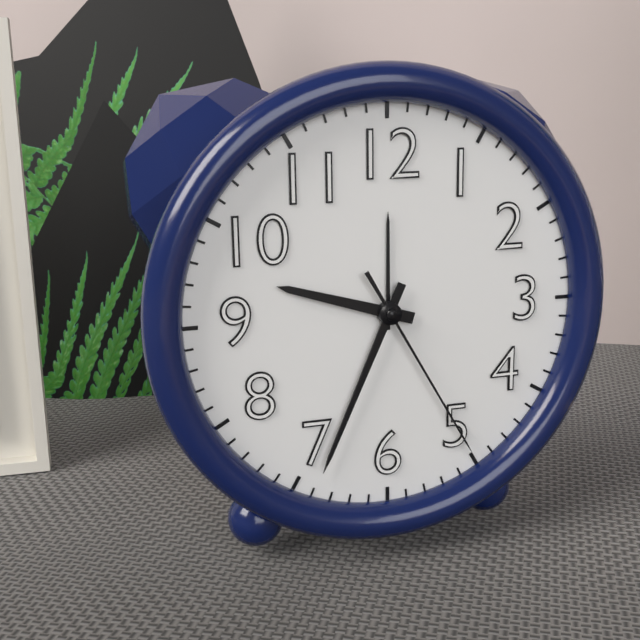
9:34:25
